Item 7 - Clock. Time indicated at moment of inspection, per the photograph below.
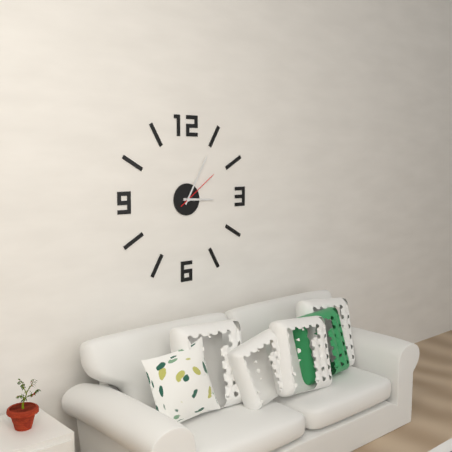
3:05
